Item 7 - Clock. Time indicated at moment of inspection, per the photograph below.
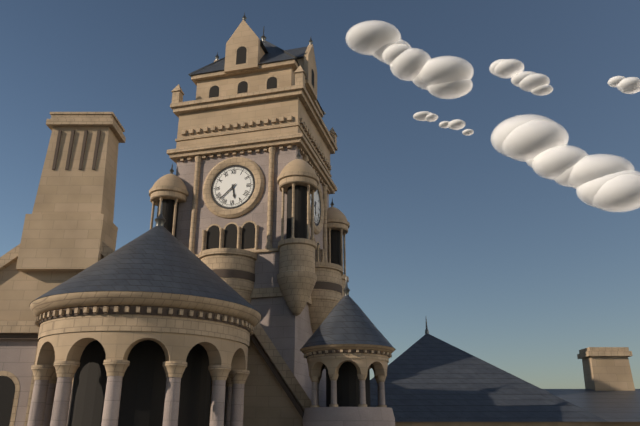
5:38
